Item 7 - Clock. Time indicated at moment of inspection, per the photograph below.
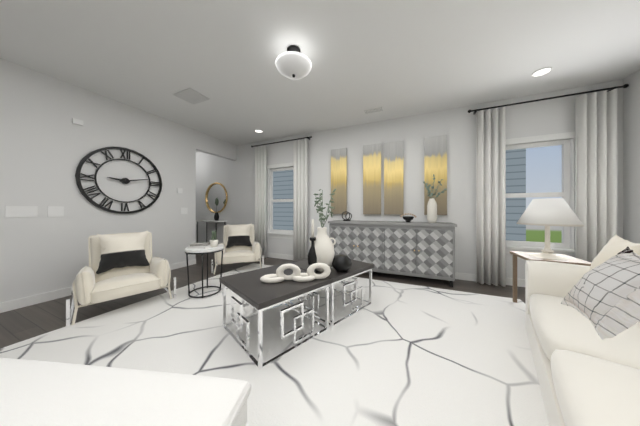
9:13
